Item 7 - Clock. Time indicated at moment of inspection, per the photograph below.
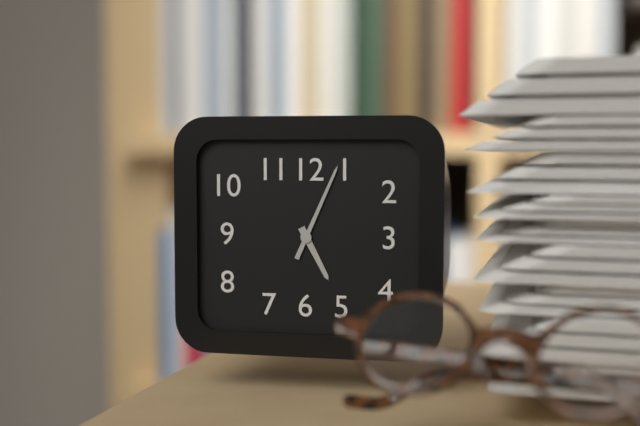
5:04
